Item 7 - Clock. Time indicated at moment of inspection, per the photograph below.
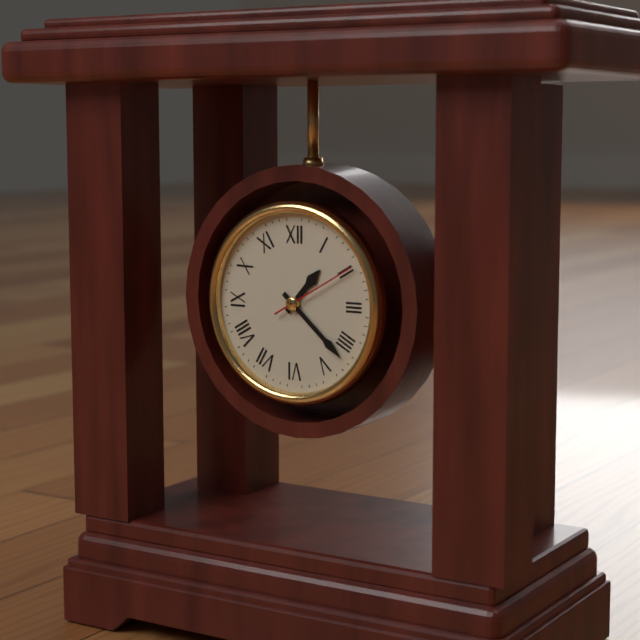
1:22
